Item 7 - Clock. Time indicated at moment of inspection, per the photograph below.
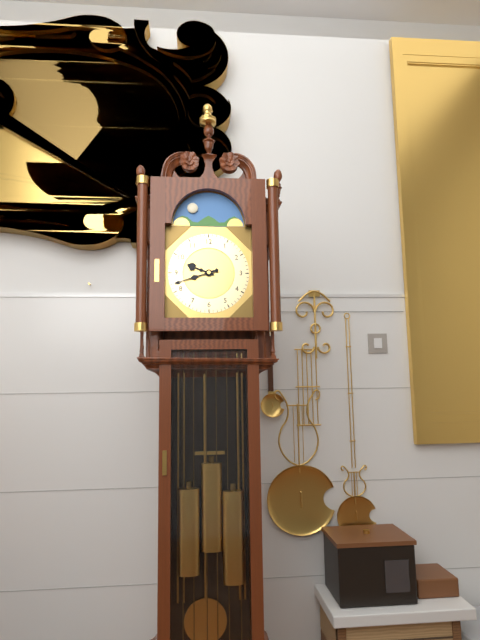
9:42
